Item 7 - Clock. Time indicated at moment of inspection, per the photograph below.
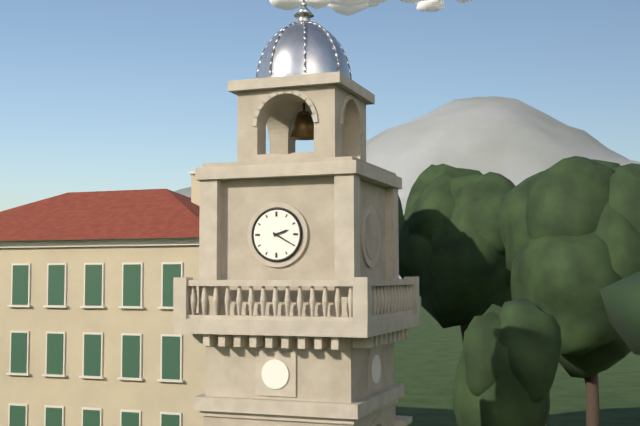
2:20
